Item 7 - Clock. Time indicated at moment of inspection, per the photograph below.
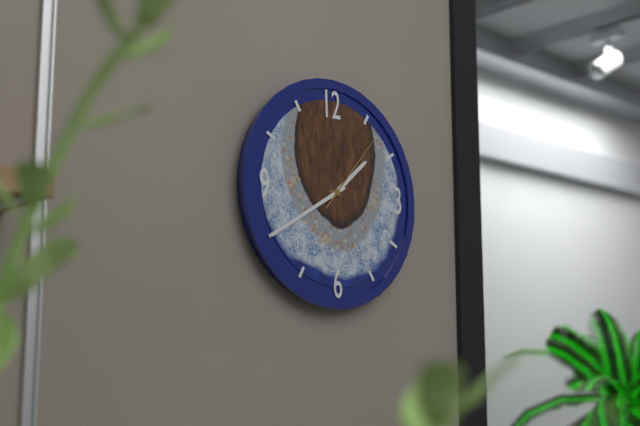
1:40:07
